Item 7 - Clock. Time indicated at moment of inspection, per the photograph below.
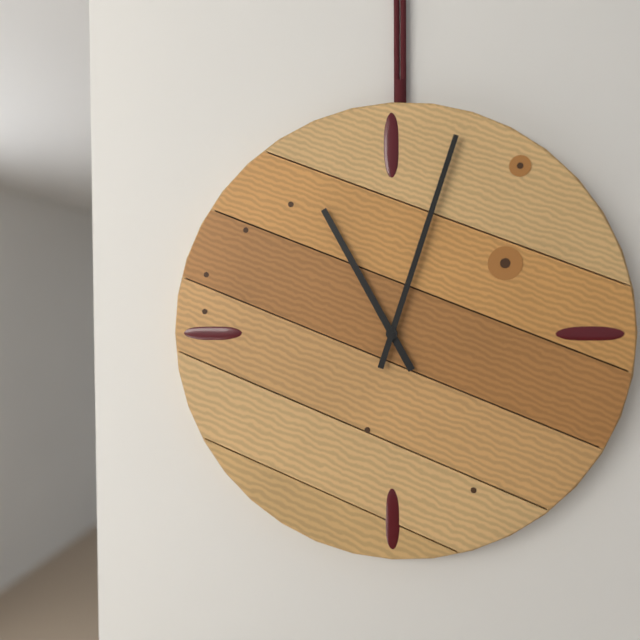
11:03
